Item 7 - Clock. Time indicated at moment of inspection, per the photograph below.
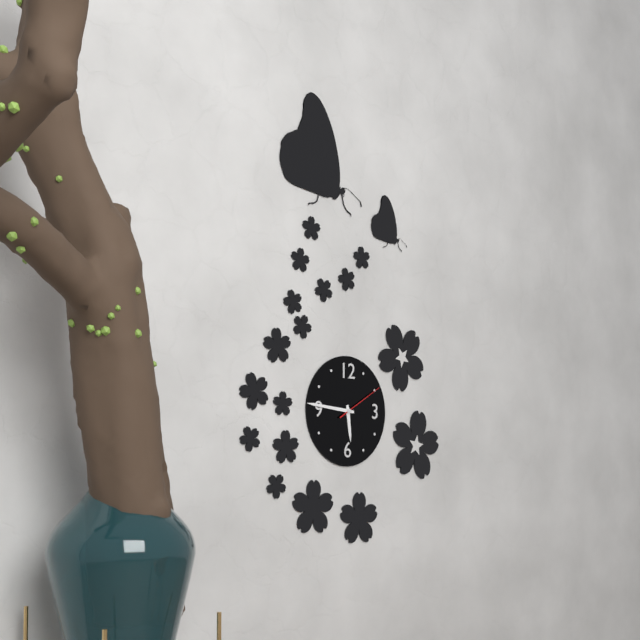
5:46
